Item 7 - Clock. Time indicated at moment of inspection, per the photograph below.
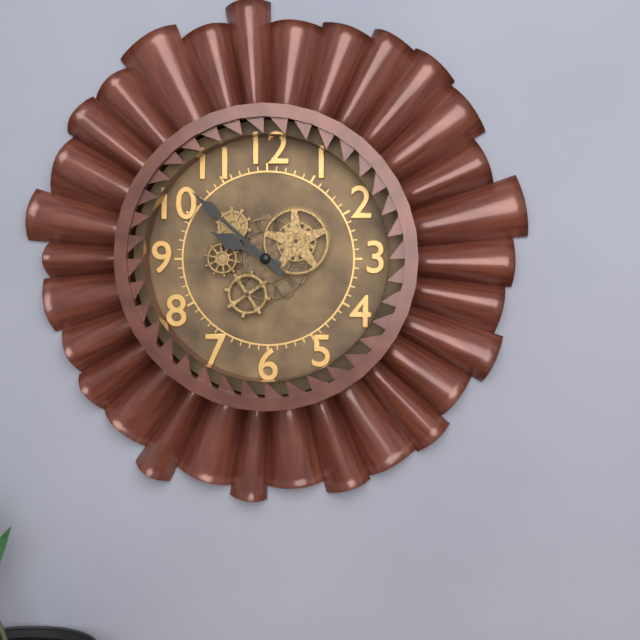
9:52
